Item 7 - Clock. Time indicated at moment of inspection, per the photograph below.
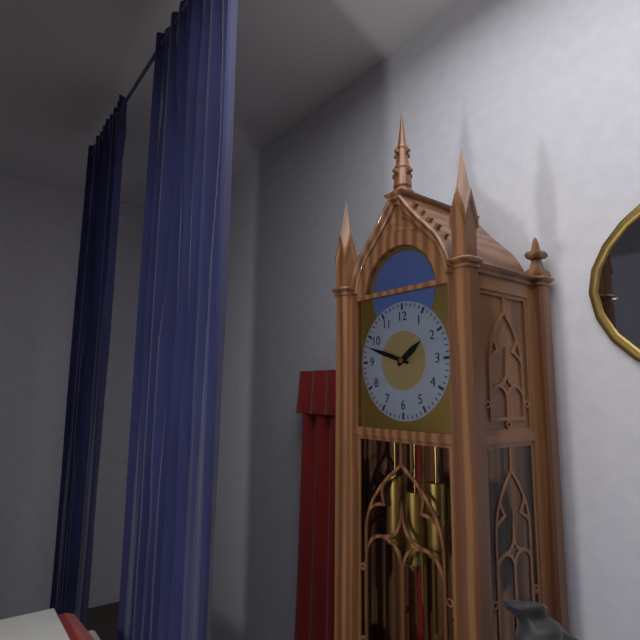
1:48
